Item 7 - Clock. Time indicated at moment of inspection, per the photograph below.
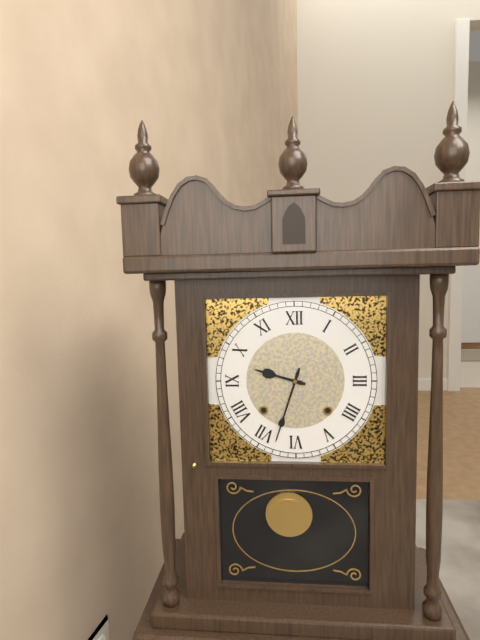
9:33
